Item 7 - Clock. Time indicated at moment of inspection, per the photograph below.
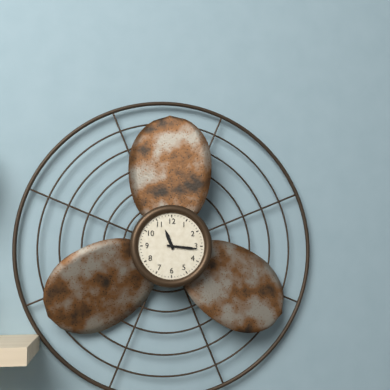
11:16
